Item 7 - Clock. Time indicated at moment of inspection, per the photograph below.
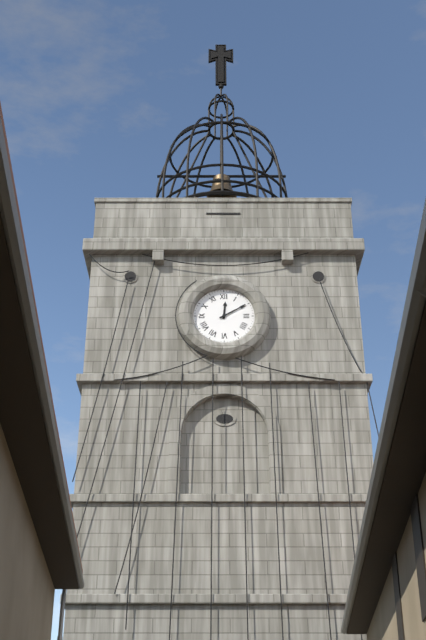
12:10
